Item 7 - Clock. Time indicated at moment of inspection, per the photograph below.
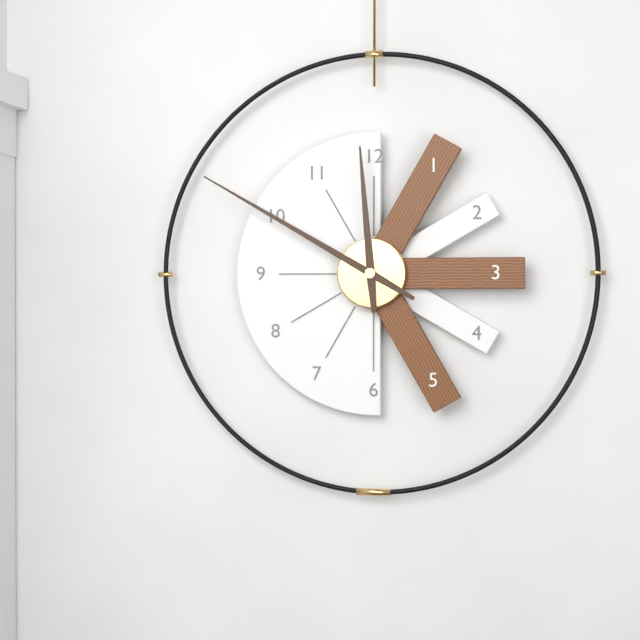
11:50
